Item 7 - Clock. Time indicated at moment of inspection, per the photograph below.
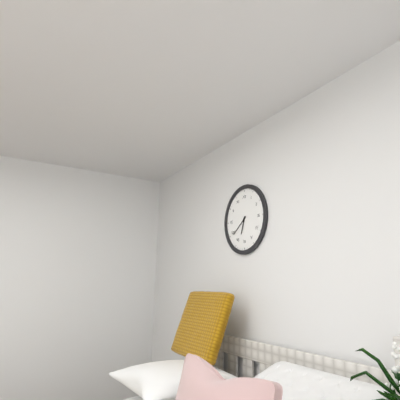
6:39
